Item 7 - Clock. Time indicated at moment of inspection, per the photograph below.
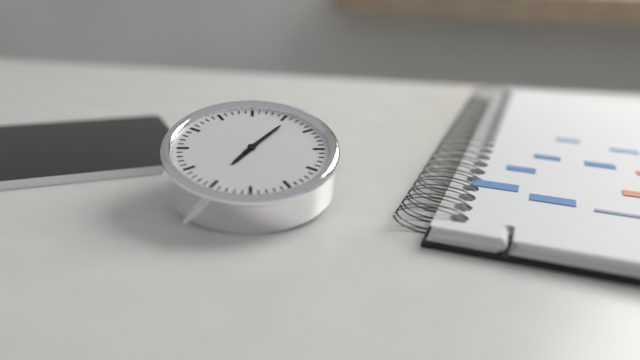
7:06
